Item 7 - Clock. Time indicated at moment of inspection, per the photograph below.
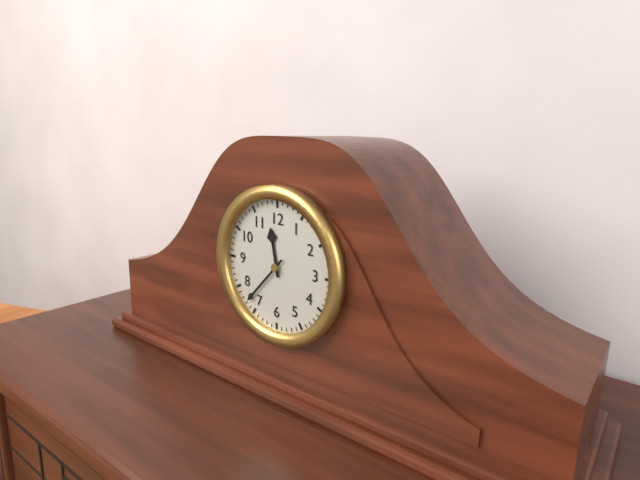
11:37
